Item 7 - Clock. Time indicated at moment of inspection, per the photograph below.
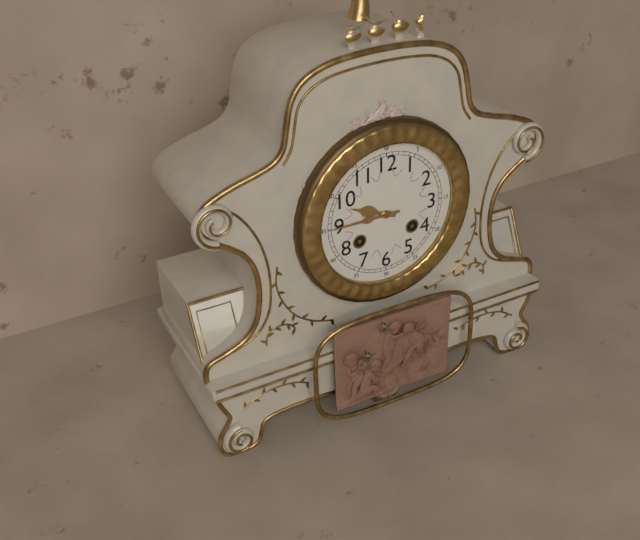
9:45
